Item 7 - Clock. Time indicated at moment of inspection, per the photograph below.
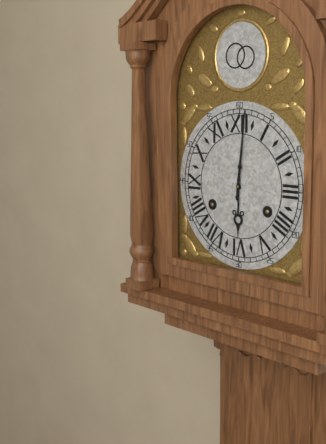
6:01
